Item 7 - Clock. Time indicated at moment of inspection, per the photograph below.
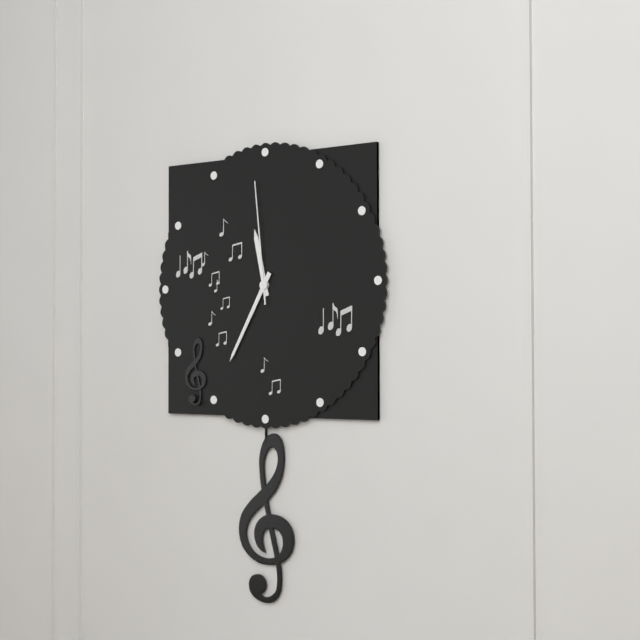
11:35:59
